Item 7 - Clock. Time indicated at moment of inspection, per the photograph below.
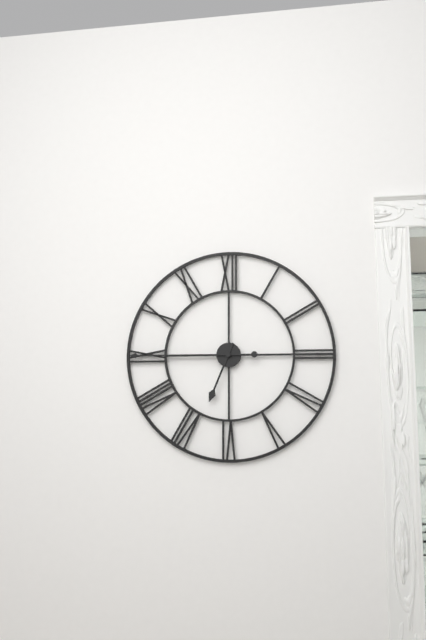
6:45
